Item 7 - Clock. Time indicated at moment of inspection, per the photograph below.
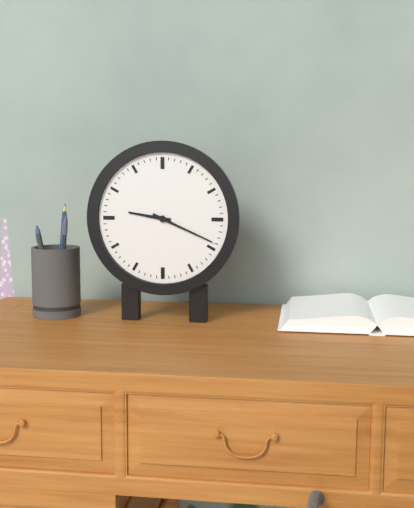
9:19
